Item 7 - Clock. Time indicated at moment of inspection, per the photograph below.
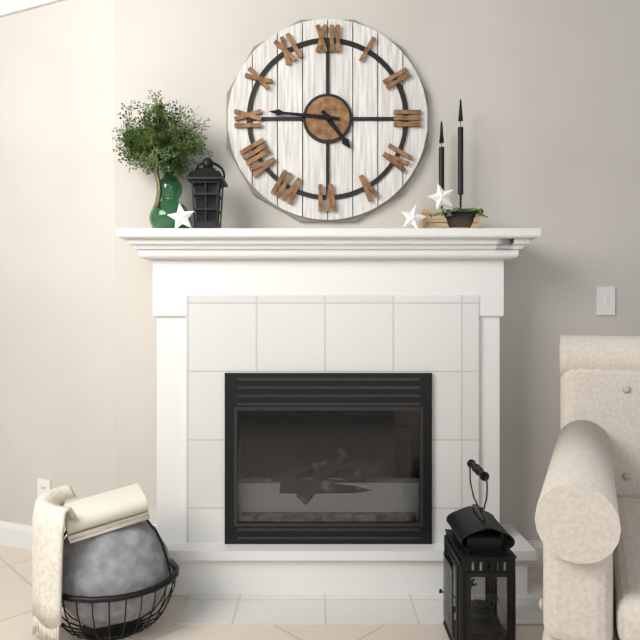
4:46
